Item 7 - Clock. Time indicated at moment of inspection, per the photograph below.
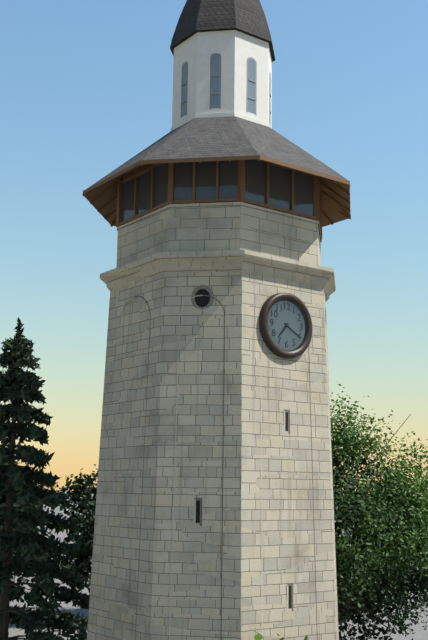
7:20
